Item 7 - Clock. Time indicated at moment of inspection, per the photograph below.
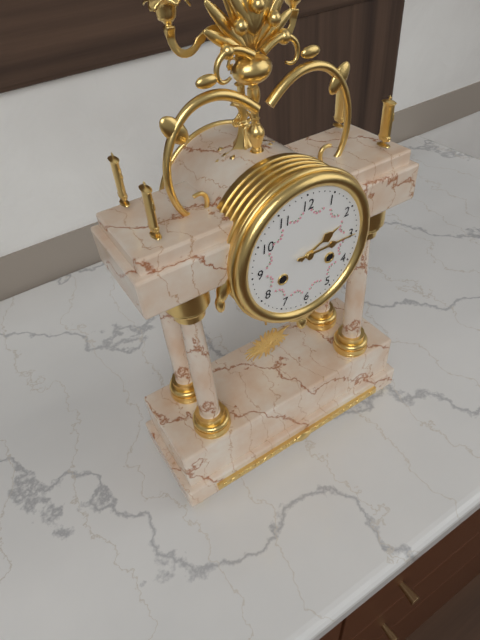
2:15
